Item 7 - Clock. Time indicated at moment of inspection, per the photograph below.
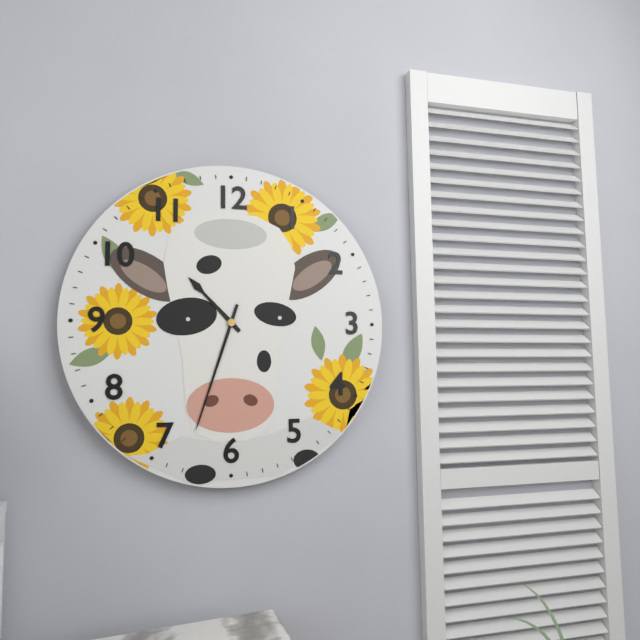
10:33
